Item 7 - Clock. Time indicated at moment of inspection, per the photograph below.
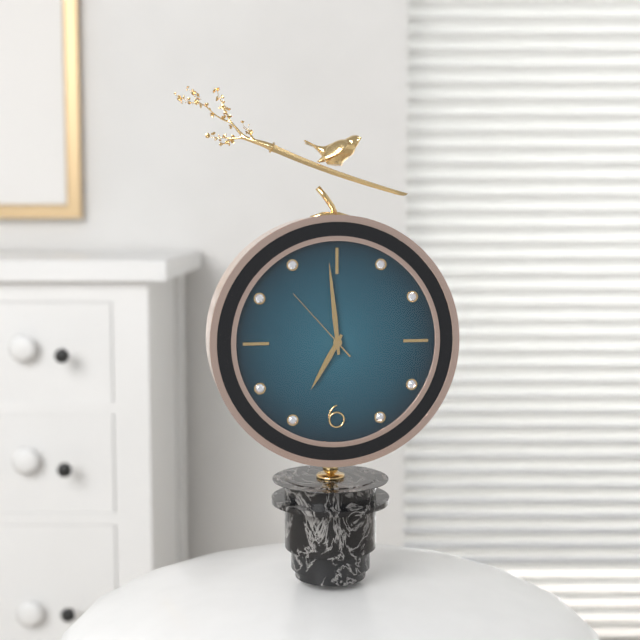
6:59:53
